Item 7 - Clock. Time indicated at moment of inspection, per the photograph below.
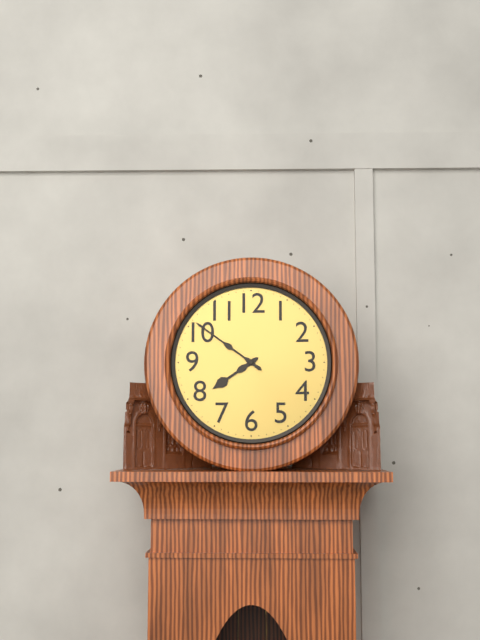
7:51
